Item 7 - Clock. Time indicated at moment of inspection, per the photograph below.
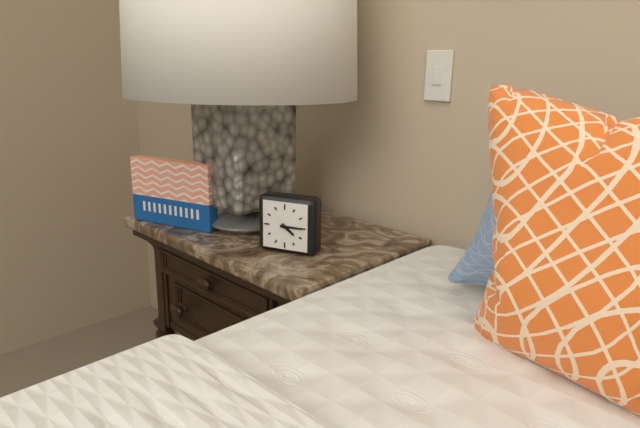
4:15
